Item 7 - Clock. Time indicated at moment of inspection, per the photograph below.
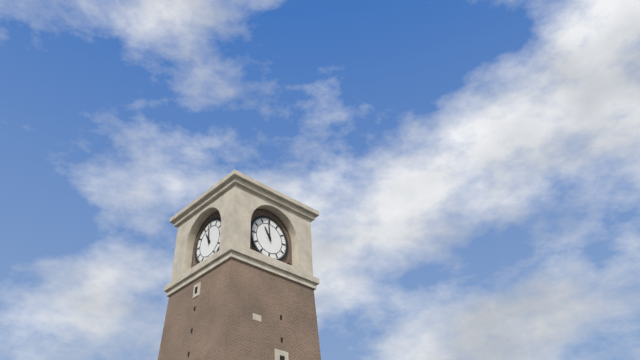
10:59
